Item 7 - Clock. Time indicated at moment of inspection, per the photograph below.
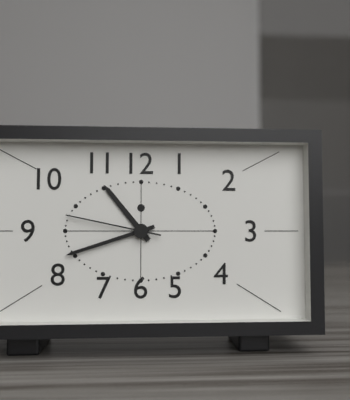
10:42:47
